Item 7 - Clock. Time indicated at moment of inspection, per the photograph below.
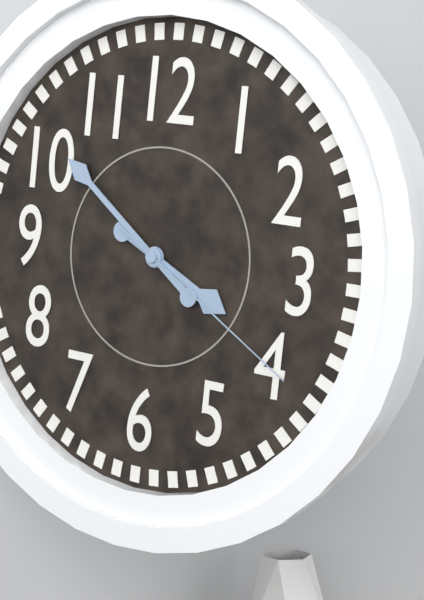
3:51:20
